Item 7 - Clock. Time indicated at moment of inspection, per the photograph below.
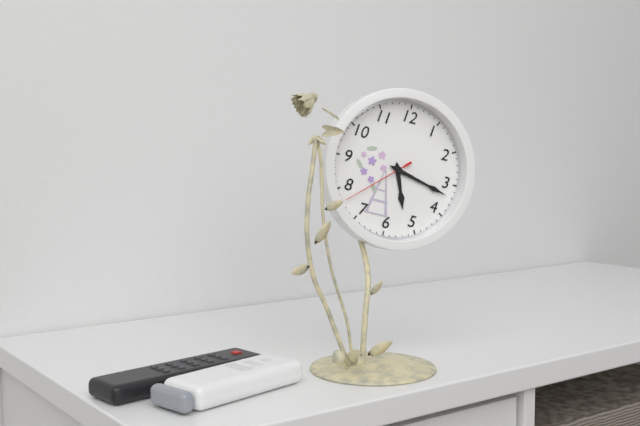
5:17:38
